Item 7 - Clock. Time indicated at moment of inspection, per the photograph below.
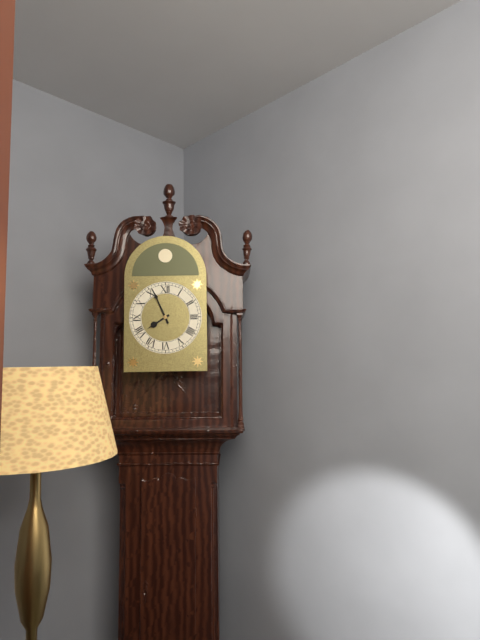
7:56
